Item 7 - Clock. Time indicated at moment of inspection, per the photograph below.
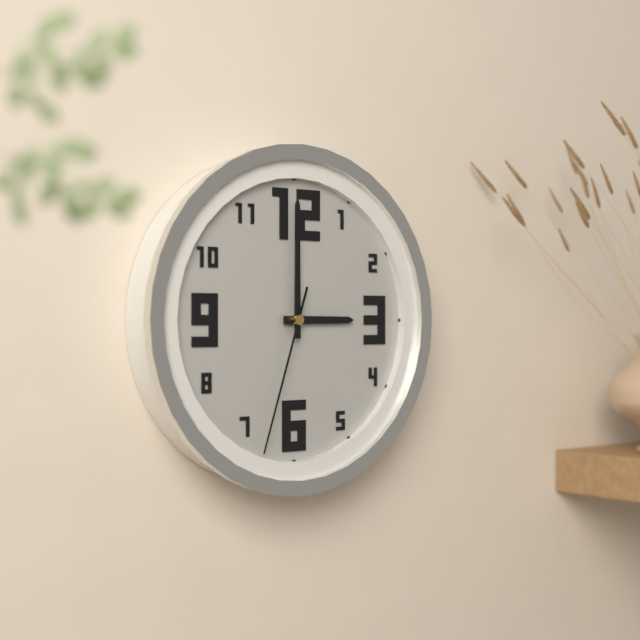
3:00:33
